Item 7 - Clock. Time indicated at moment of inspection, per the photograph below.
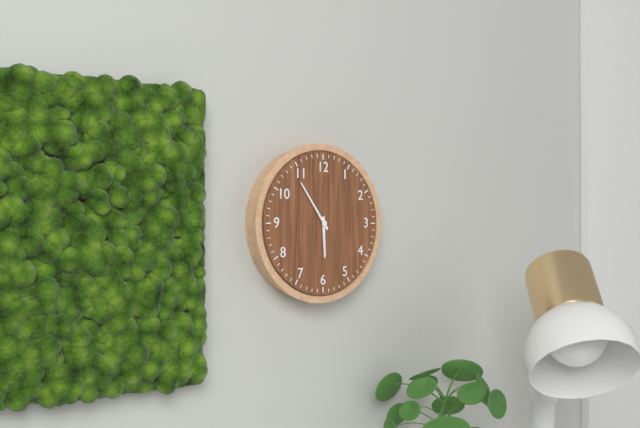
5:54
